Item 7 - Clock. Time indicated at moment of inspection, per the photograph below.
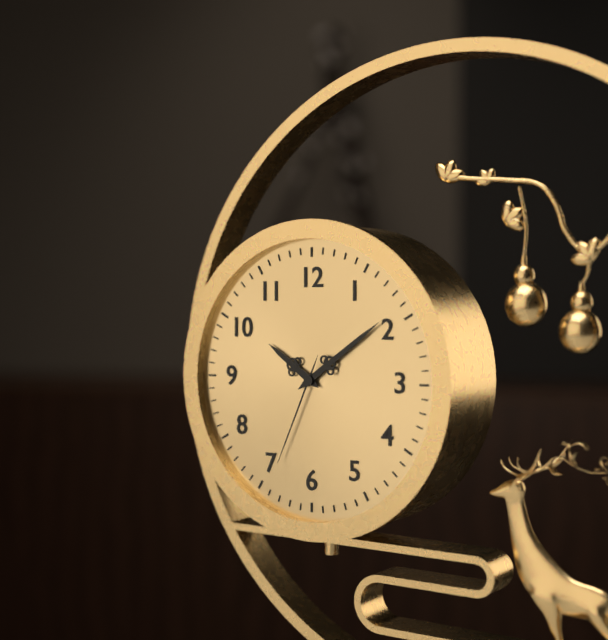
10:09:34
